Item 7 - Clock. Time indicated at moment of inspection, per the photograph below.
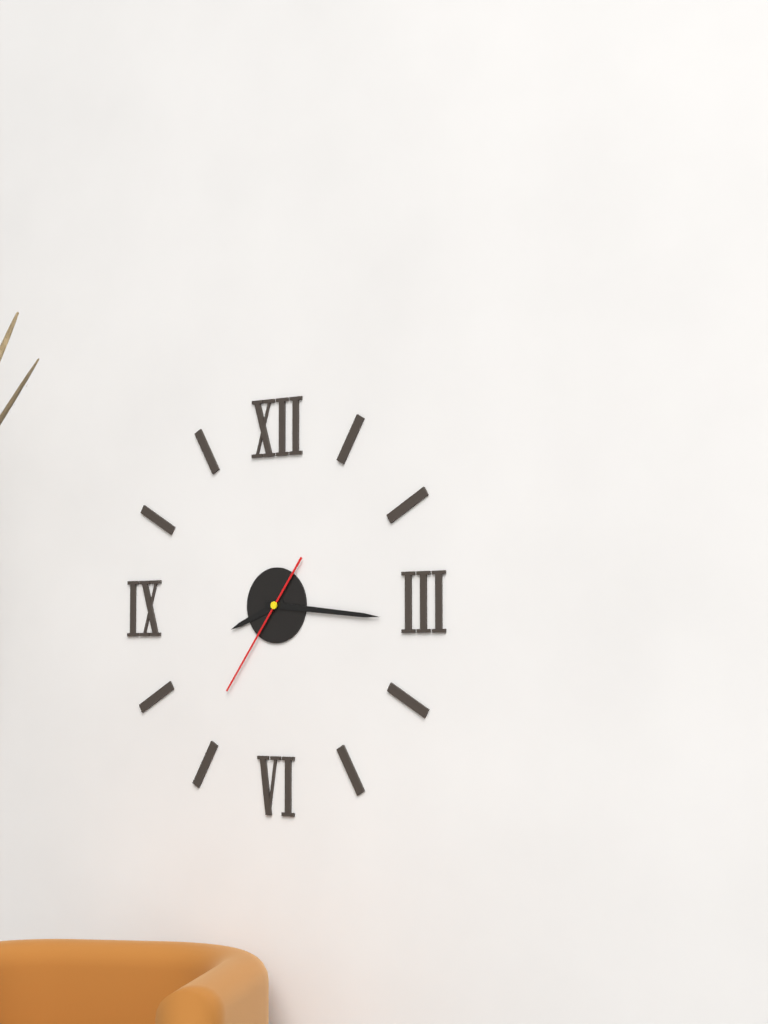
8:16:36
